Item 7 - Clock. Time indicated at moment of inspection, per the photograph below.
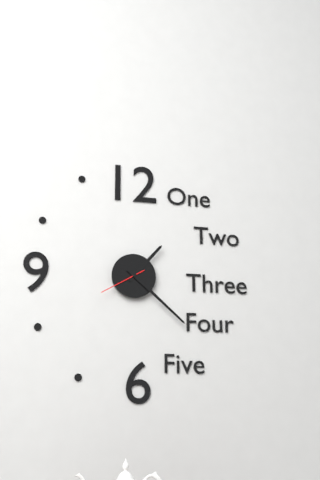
1:22
